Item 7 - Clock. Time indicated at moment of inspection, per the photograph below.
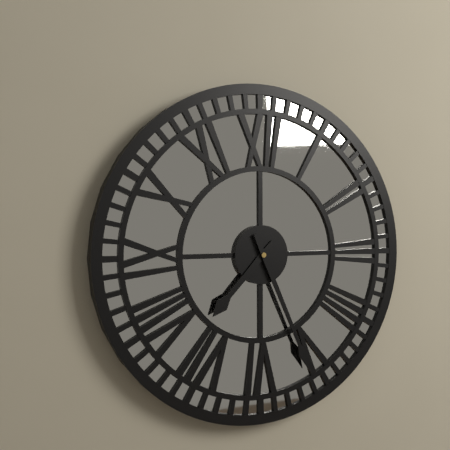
7:26
